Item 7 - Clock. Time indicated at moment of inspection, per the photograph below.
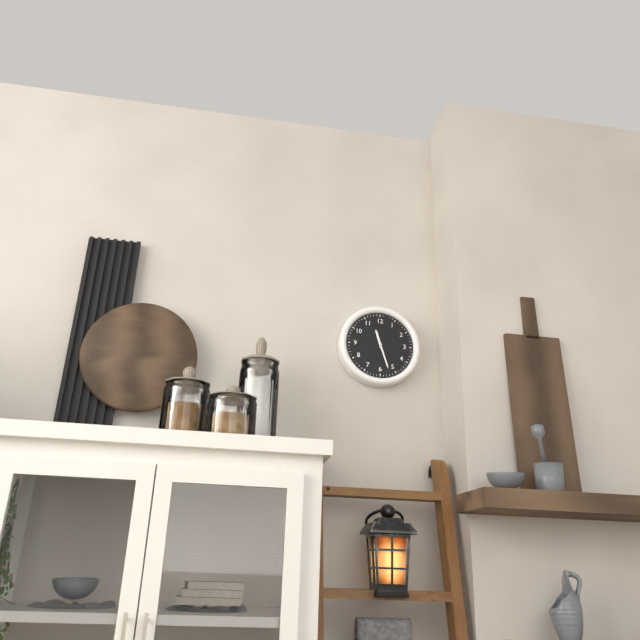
11:27
